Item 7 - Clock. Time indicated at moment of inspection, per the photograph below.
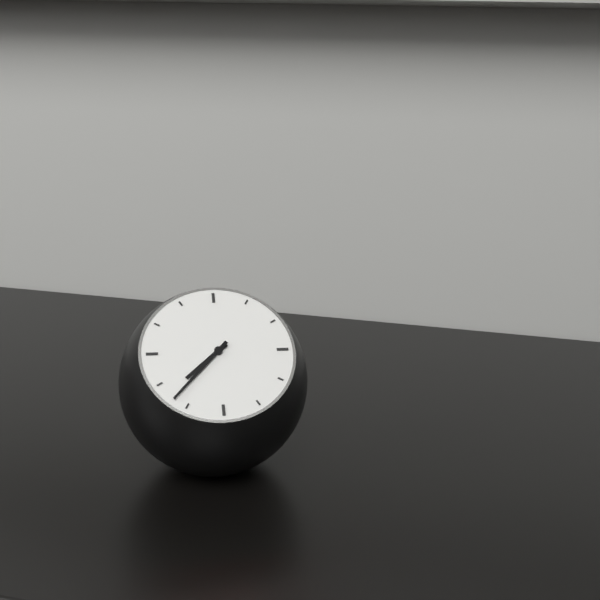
7:37
